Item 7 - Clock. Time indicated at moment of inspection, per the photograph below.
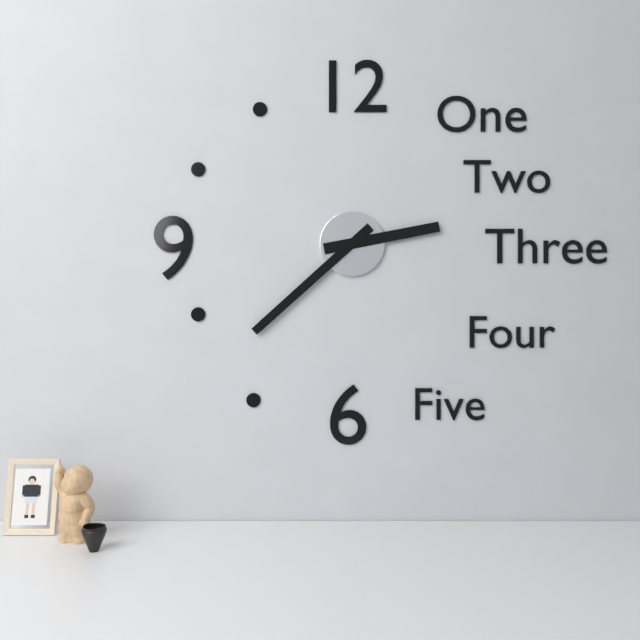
2:38
